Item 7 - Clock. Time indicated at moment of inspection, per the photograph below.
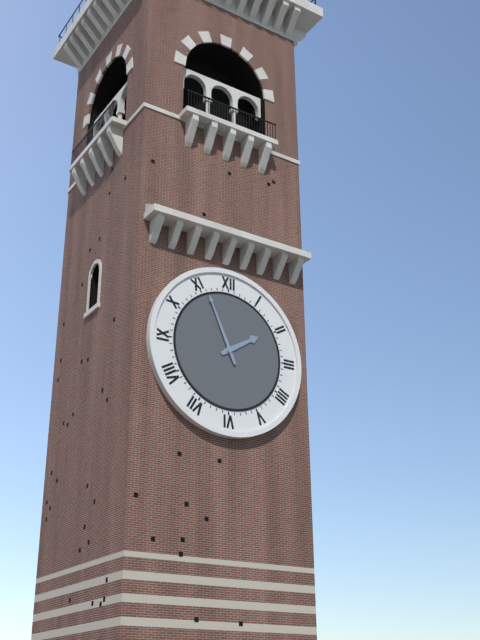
1:56
